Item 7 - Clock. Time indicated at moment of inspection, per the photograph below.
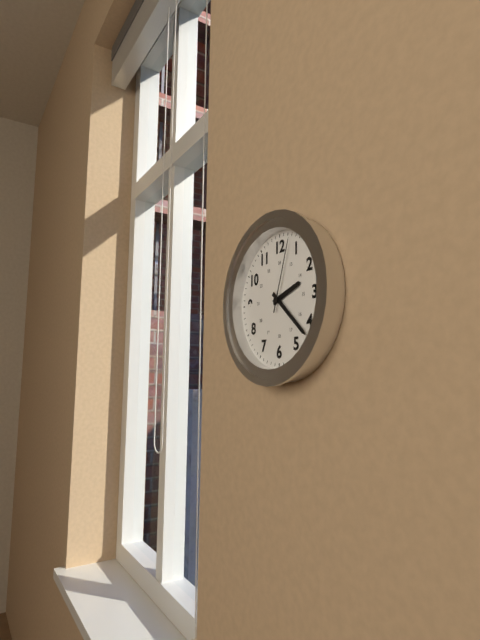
2:22:03
